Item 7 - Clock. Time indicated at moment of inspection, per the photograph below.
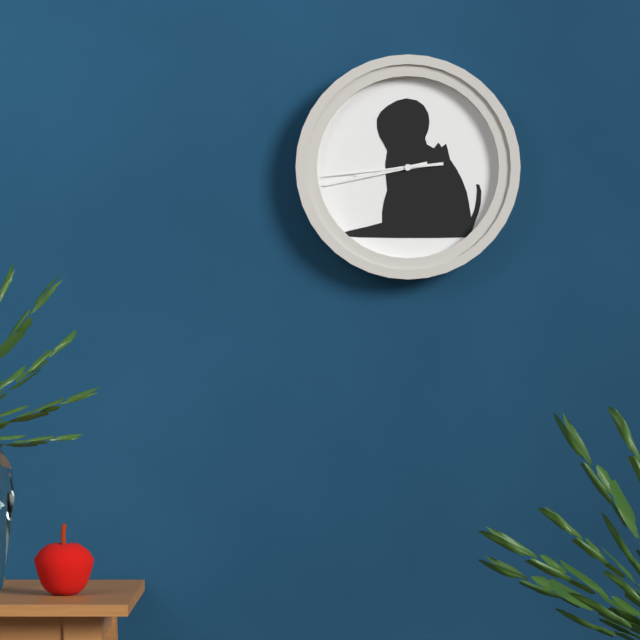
8:43:44
